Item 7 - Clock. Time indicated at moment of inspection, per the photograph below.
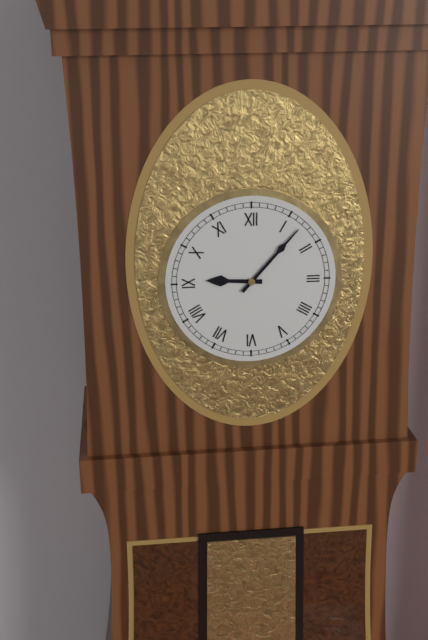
9:07
